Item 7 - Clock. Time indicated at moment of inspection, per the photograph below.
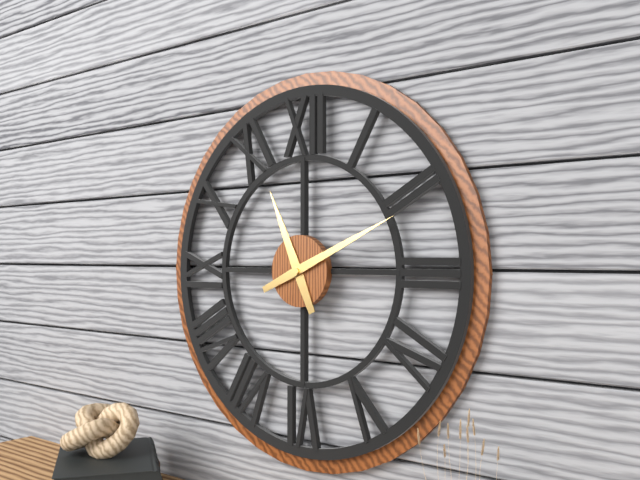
11:11
